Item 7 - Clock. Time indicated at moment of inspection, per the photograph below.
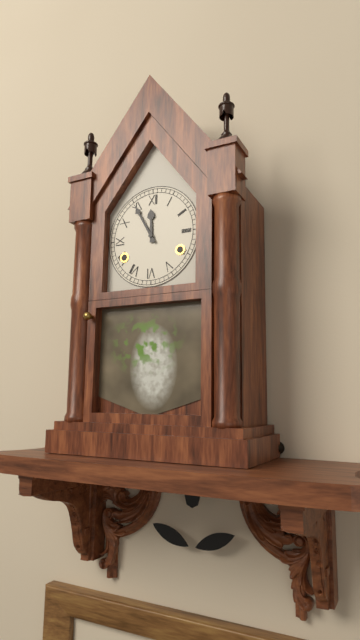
11:55
